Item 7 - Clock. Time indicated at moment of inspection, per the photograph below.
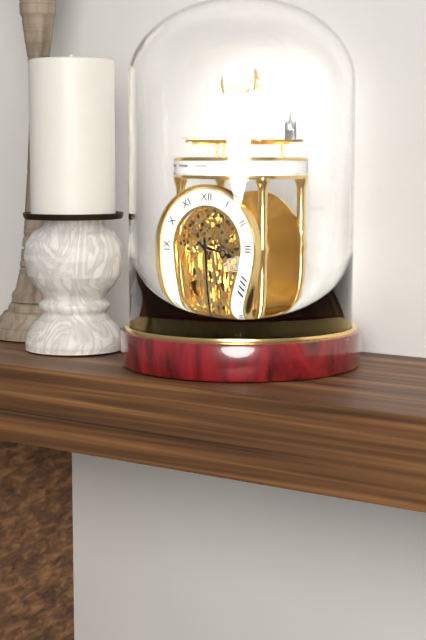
3:29
